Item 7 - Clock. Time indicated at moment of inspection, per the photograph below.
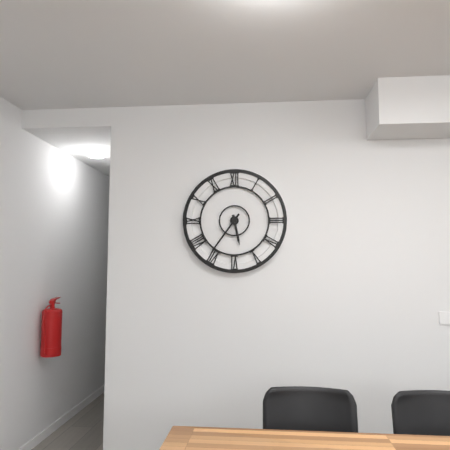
5:36
